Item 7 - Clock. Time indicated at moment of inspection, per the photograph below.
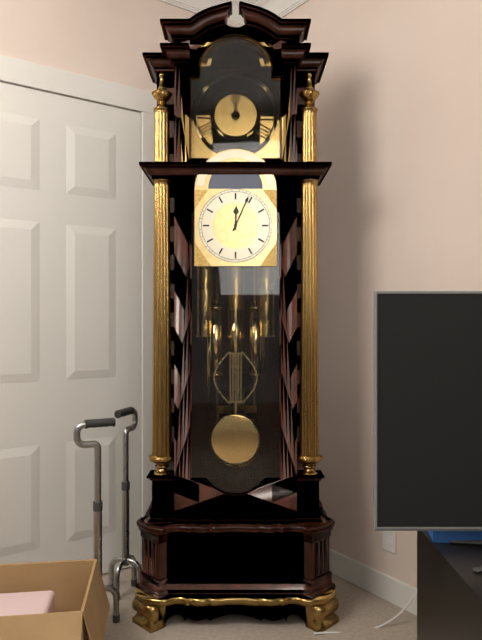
12:04
